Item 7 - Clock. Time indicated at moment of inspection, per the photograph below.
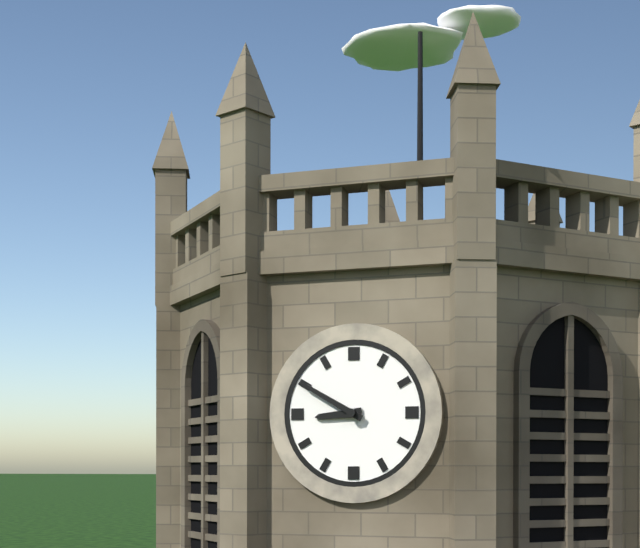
8:50
